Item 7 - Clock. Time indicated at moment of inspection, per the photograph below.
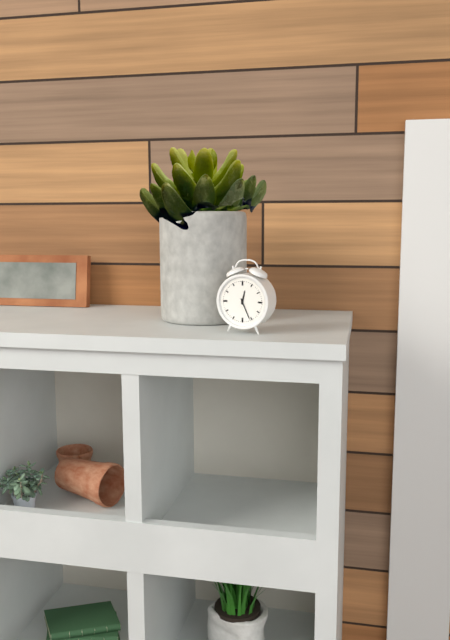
12:26
